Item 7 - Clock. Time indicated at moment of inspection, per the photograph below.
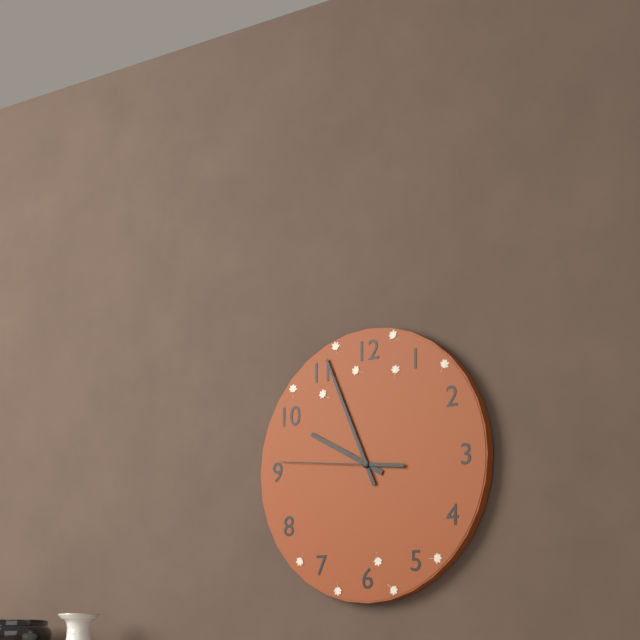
9:56:46
